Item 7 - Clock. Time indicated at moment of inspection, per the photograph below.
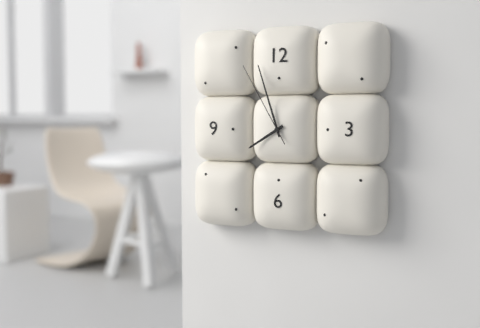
7:57:55
